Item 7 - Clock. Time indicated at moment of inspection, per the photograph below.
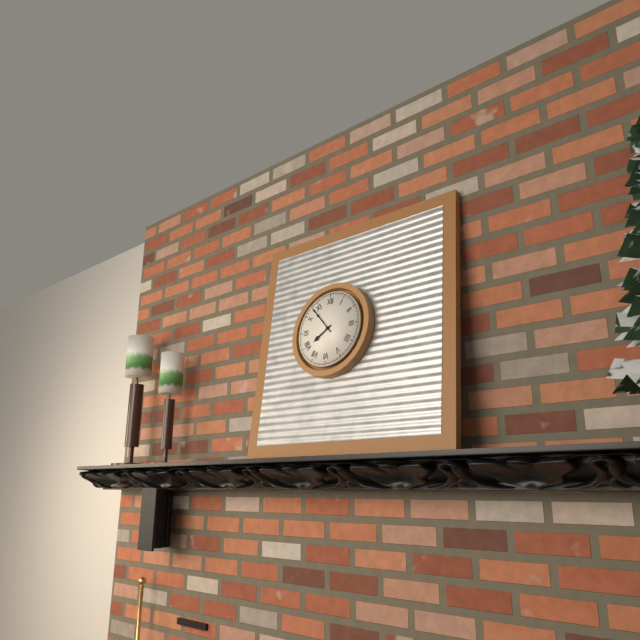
7:53
